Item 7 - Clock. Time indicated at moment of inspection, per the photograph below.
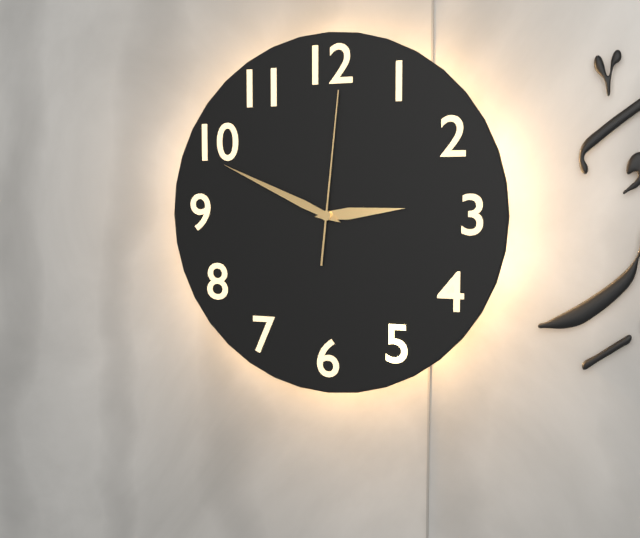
2:49:01
